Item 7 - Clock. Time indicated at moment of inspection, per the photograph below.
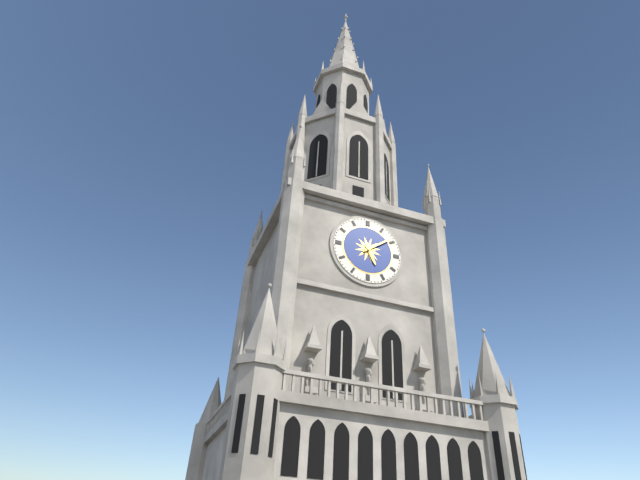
5:09
